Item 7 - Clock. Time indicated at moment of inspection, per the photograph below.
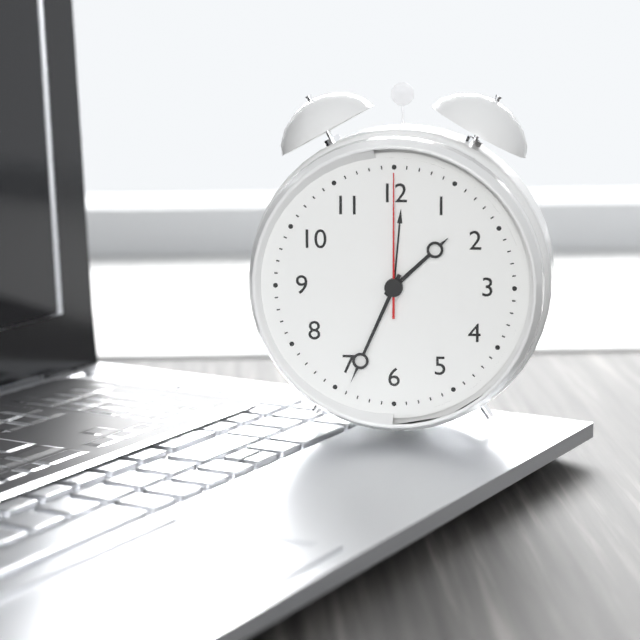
1:34:00
